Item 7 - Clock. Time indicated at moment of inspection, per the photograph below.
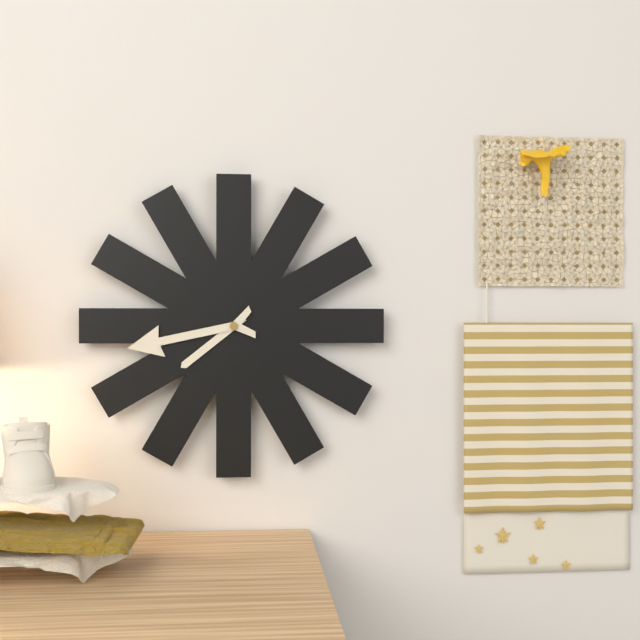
7:43
